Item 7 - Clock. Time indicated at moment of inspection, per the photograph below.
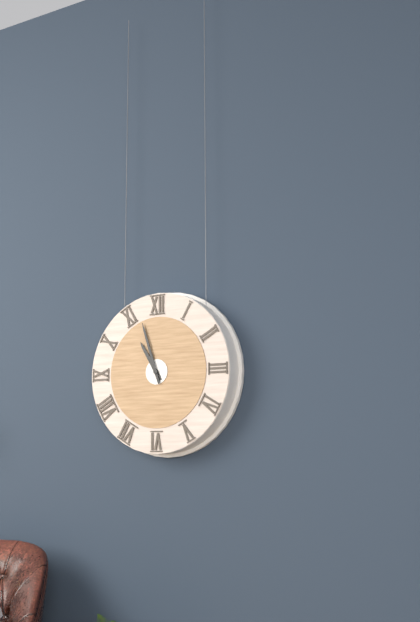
10:57
